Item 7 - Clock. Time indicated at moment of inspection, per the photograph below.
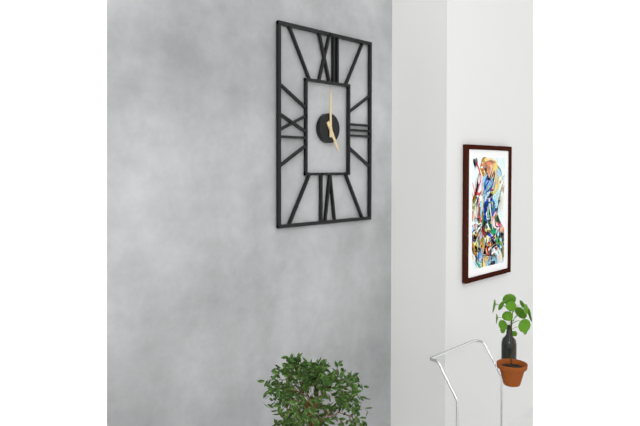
5:00
